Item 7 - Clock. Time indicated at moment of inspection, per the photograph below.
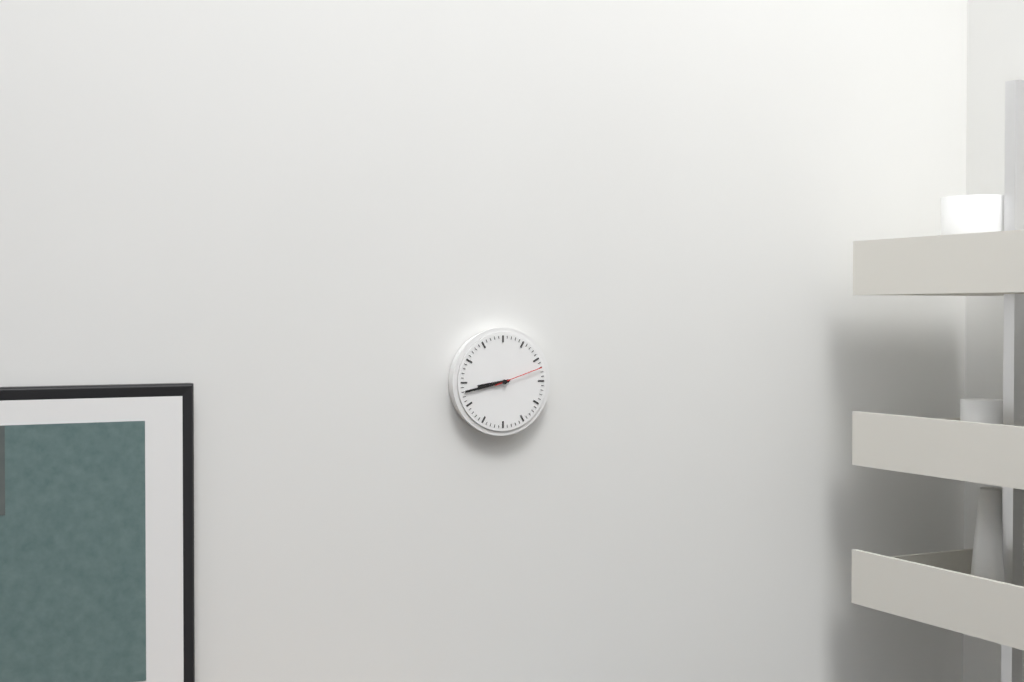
8:43:12
